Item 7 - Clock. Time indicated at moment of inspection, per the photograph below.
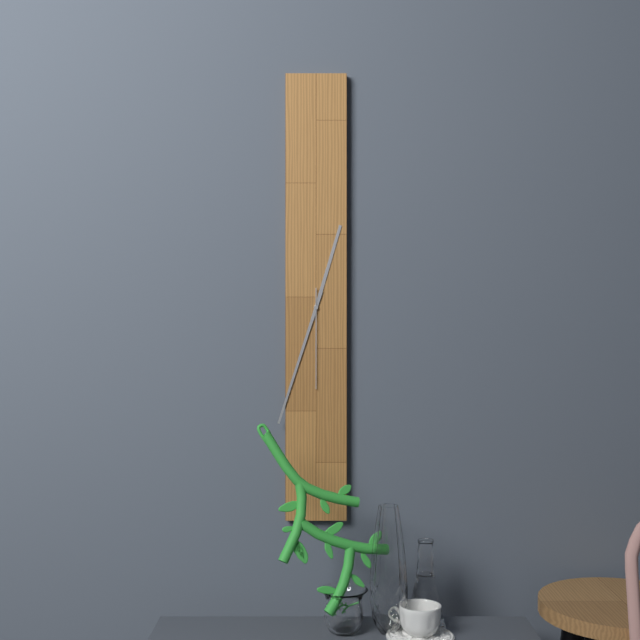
12:33:30
